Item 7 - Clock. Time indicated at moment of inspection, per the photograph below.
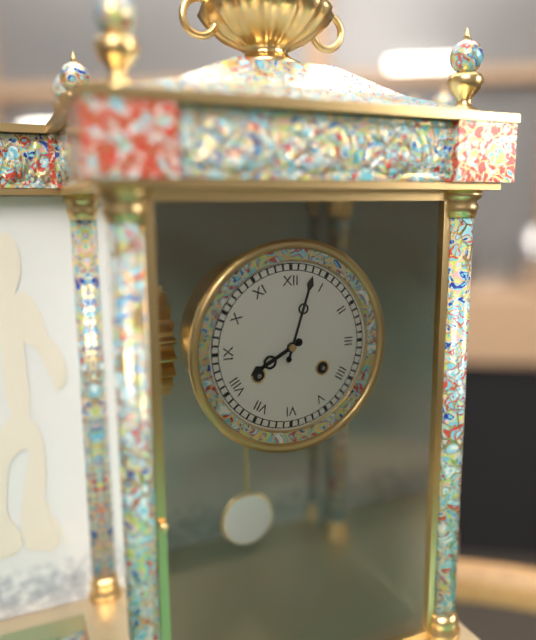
8:03
